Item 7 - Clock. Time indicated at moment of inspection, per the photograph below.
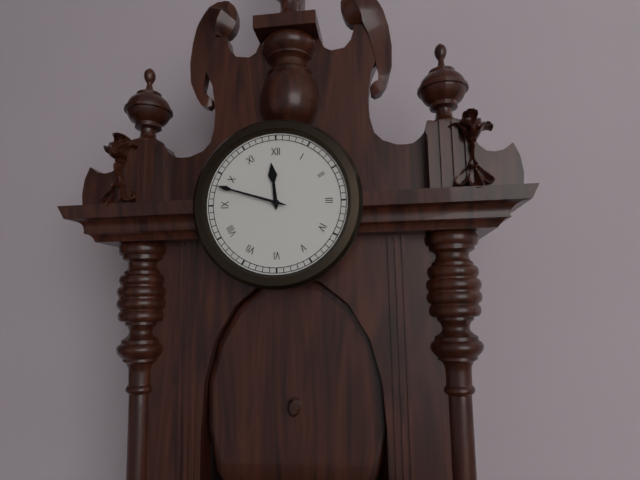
11:48
